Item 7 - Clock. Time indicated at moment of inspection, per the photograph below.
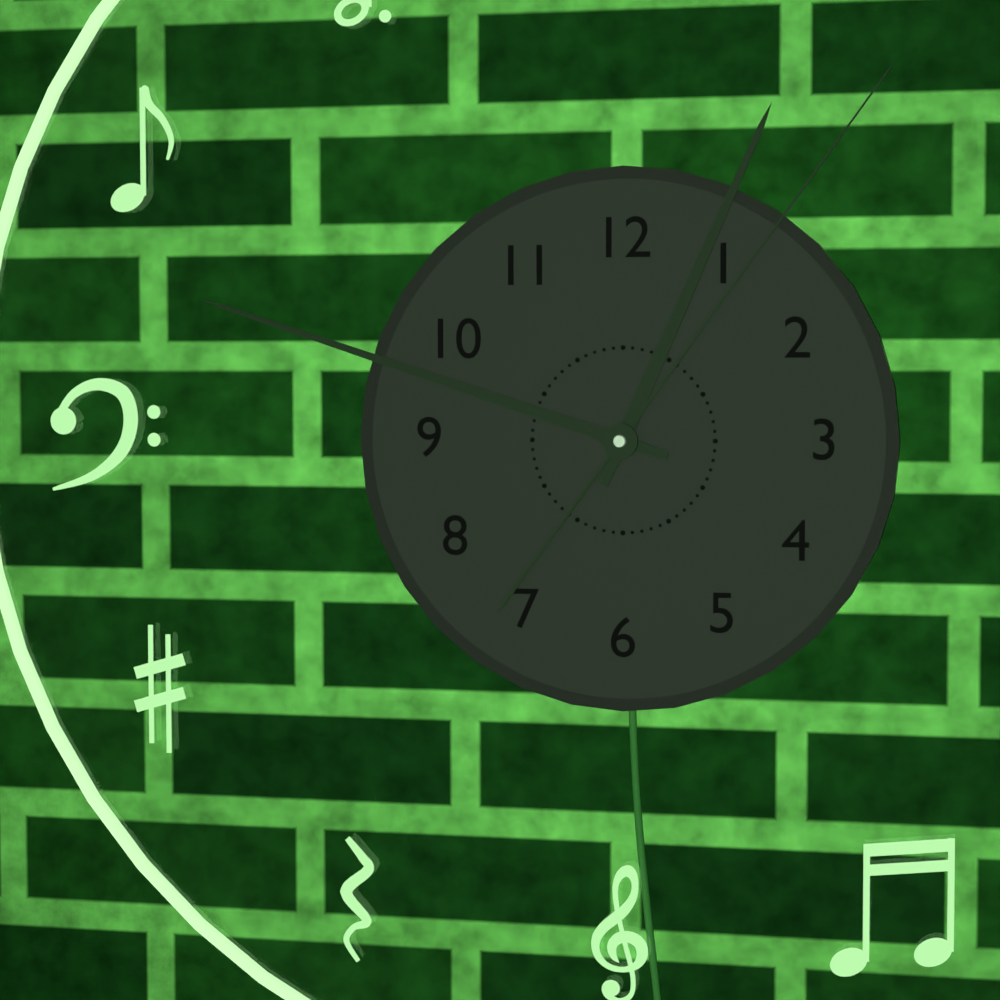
12:48:06
